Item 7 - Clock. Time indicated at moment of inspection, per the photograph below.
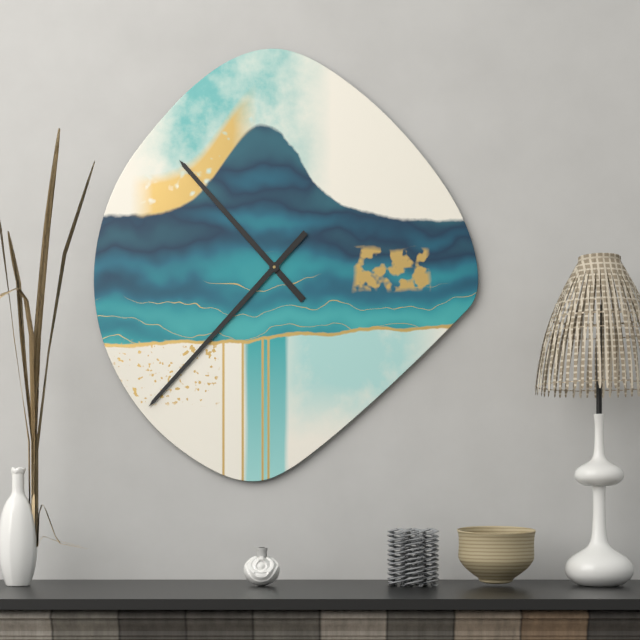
10:37
